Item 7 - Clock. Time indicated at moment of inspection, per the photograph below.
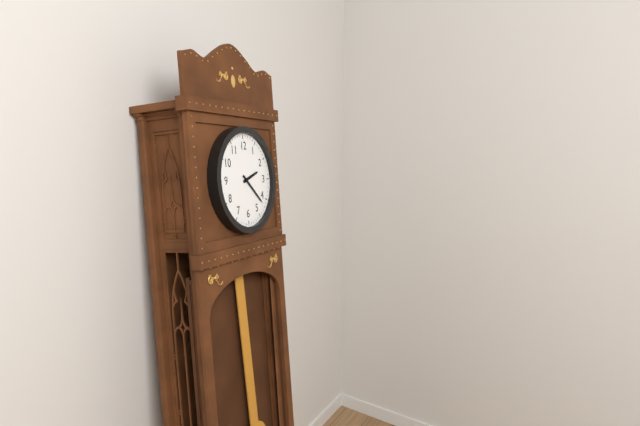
2:22
